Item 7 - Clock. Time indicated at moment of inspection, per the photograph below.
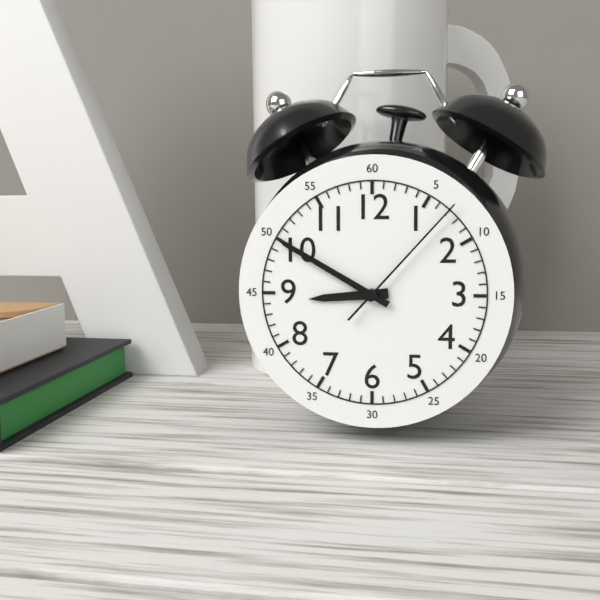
8:50:07
